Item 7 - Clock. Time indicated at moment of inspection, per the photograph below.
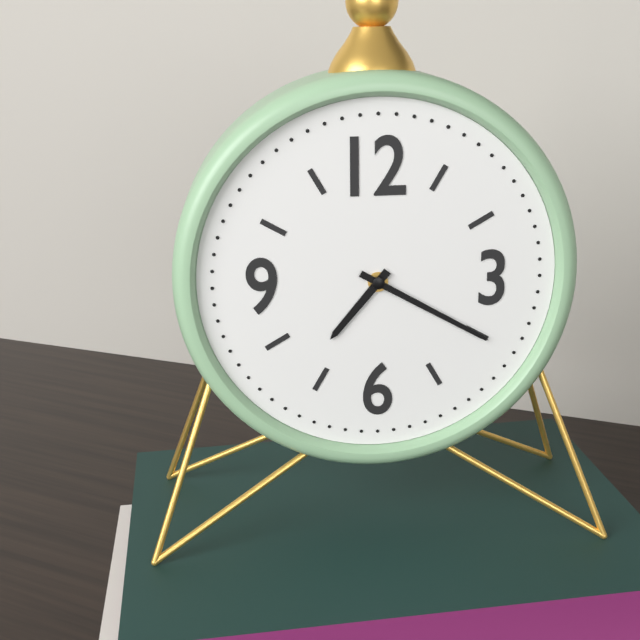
7:20
